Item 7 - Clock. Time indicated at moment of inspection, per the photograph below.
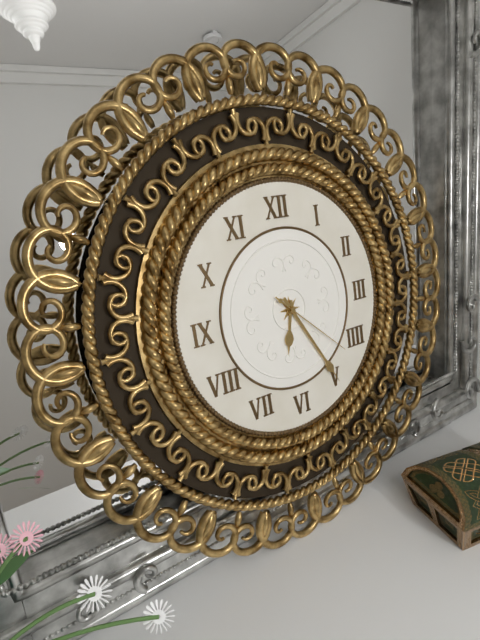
6:25:22
